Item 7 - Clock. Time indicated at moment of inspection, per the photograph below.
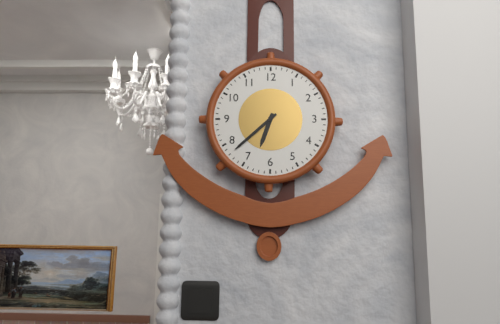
6:38
